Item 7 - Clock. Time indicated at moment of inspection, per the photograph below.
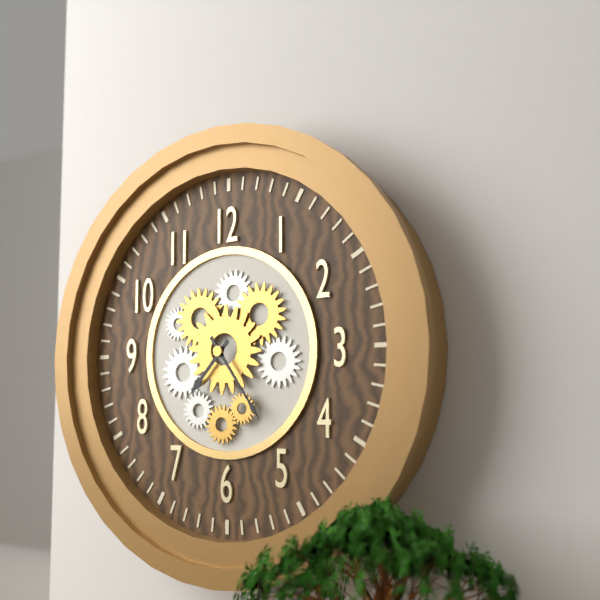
7:24
